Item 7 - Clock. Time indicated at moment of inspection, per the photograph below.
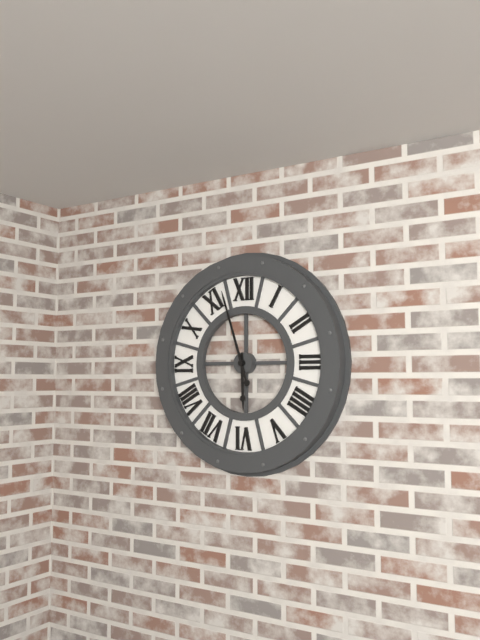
5:57
